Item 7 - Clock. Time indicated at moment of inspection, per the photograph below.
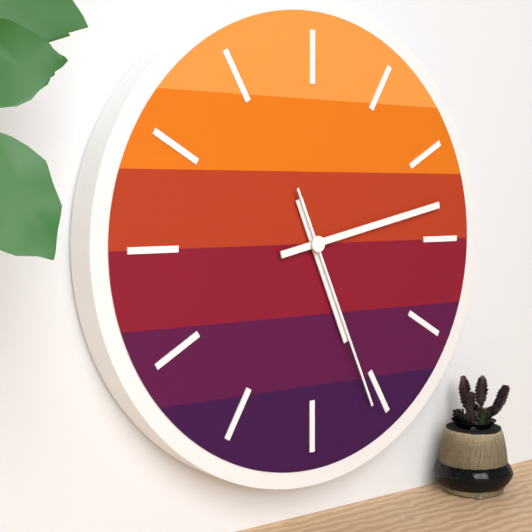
5:13:26
